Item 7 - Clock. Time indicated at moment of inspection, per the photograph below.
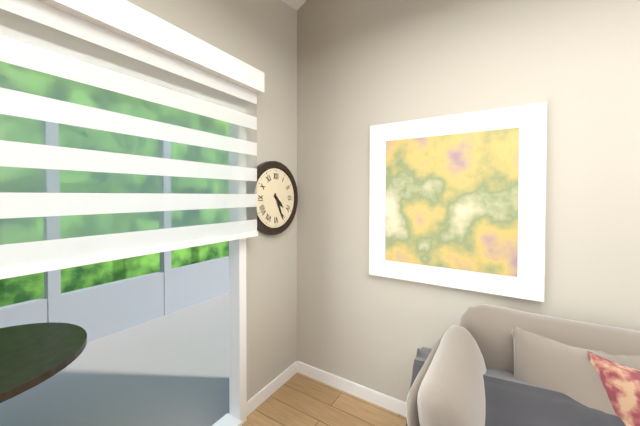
4:26
